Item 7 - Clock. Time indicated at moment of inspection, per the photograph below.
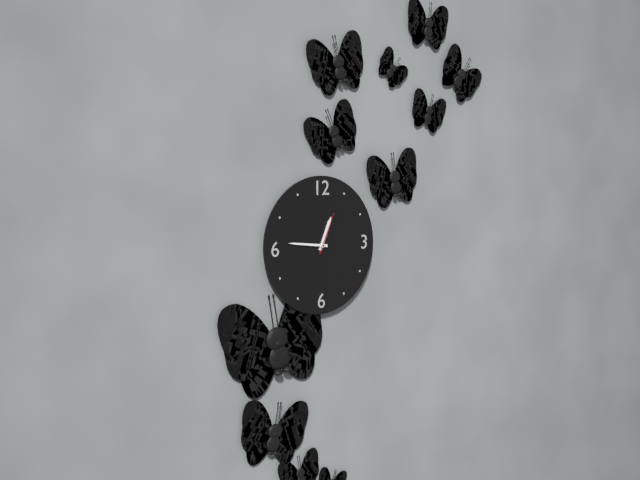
12:46
